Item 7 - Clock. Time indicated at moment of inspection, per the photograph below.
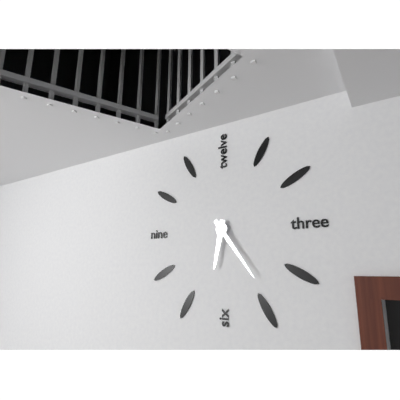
6:24
